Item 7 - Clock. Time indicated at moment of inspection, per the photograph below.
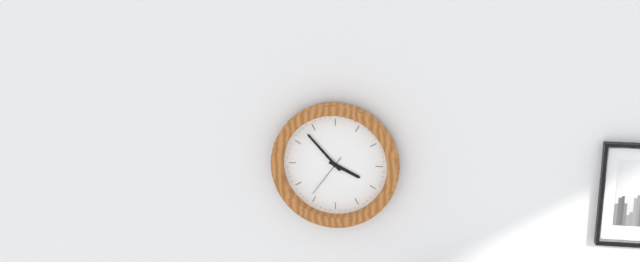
3:53
